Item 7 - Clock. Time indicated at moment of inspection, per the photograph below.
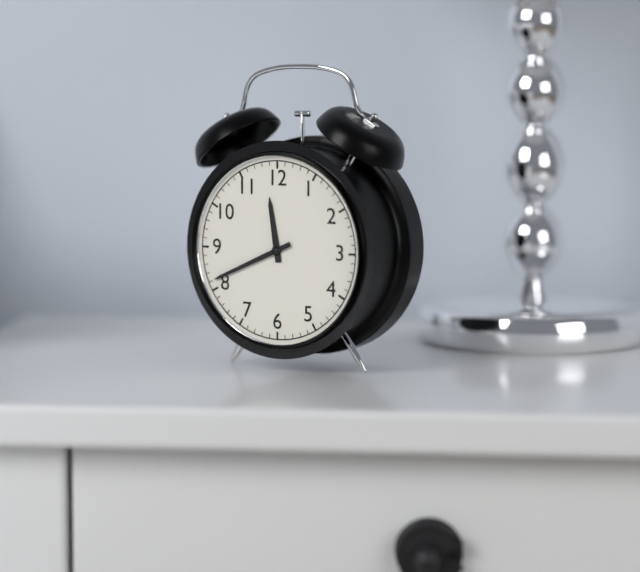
11:41
